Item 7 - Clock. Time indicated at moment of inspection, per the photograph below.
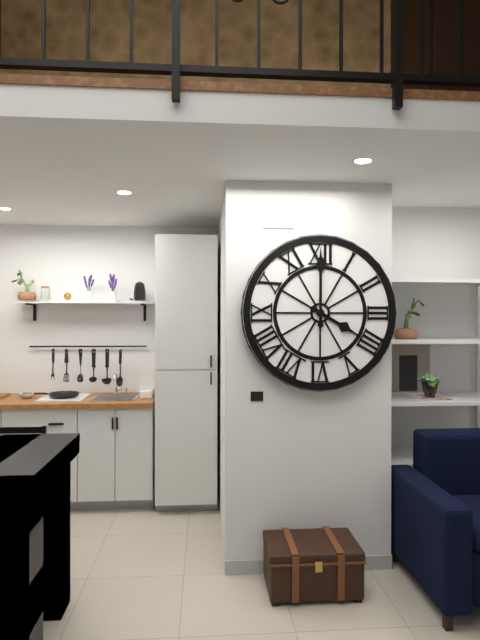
4:00
